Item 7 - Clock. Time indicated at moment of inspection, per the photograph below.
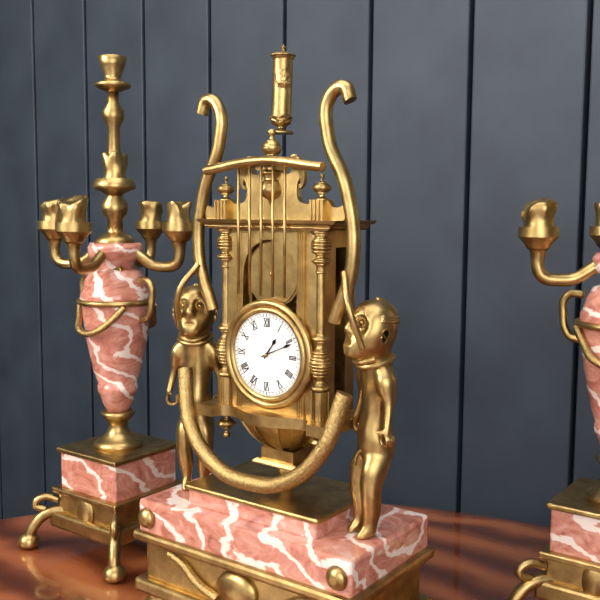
1:11
